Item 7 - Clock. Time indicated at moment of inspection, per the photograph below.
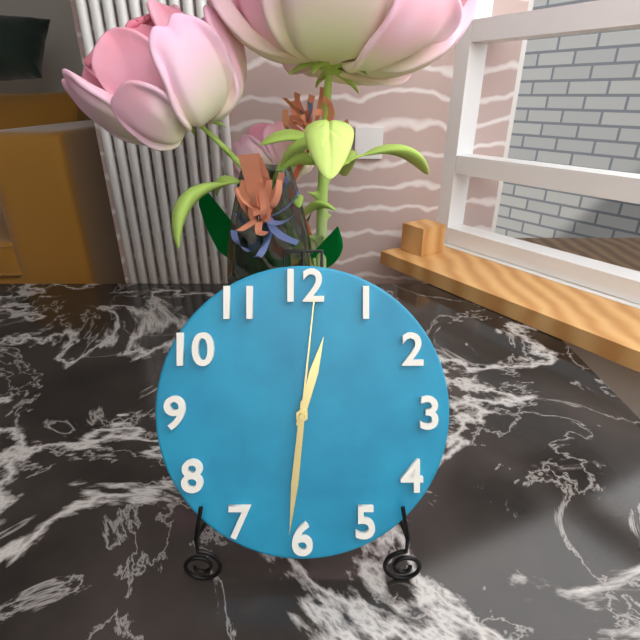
12:31:01
